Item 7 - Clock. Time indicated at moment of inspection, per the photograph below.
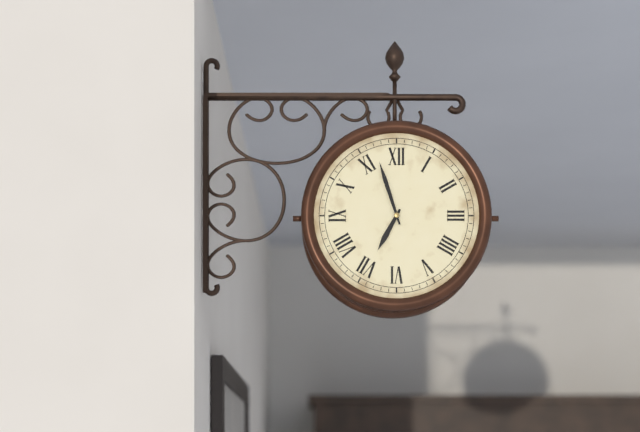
6:57
